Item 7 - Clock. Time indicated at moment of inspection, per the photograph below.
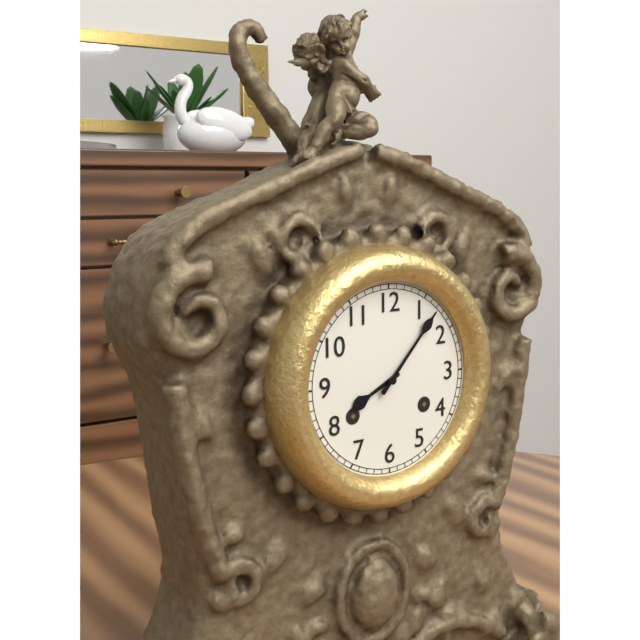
8:07
